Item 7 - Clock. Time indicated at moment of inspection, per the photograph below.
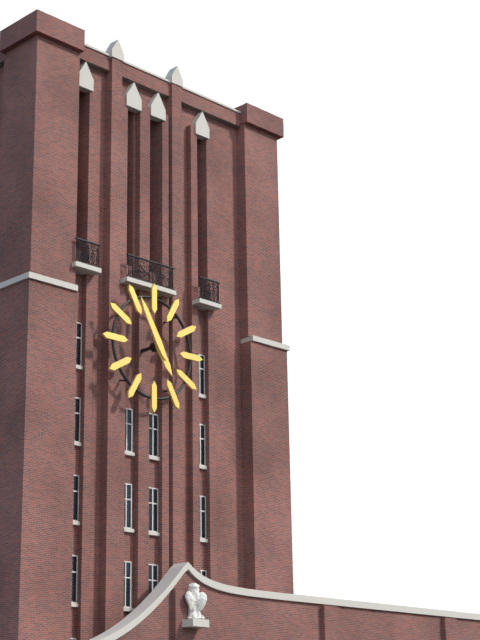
4:55
